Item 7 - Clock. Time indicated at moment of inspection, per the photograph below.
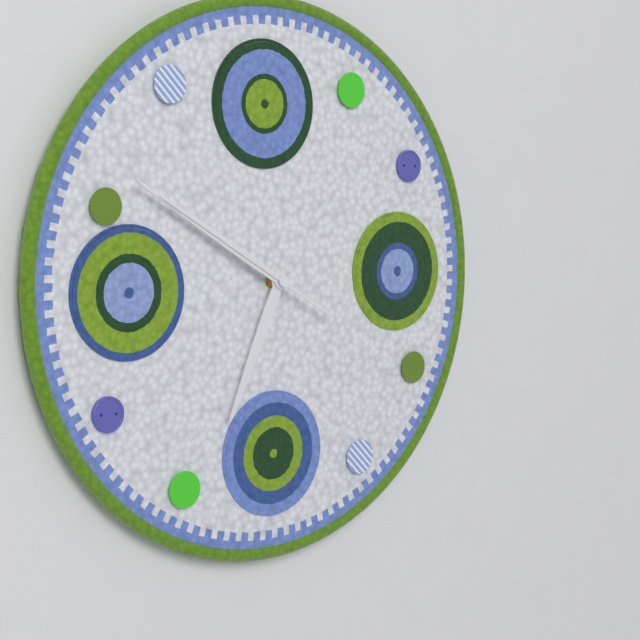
6:50:50
